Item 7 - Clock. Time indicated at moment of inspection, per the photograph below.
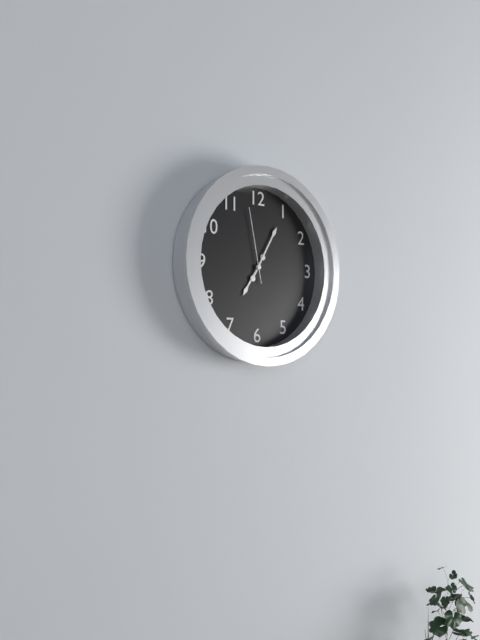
7:05:58
